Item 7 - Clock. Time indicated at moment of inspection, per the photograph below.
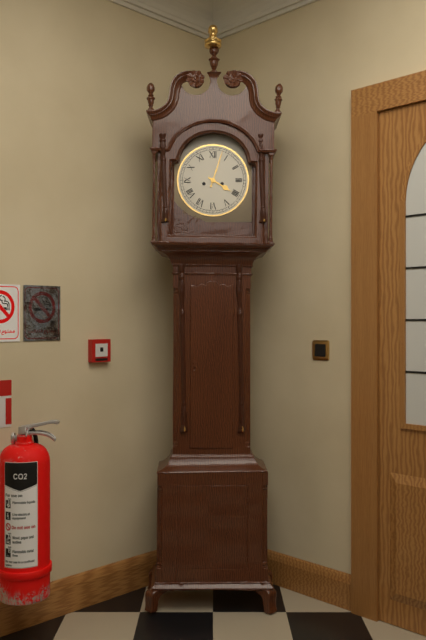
4:03
